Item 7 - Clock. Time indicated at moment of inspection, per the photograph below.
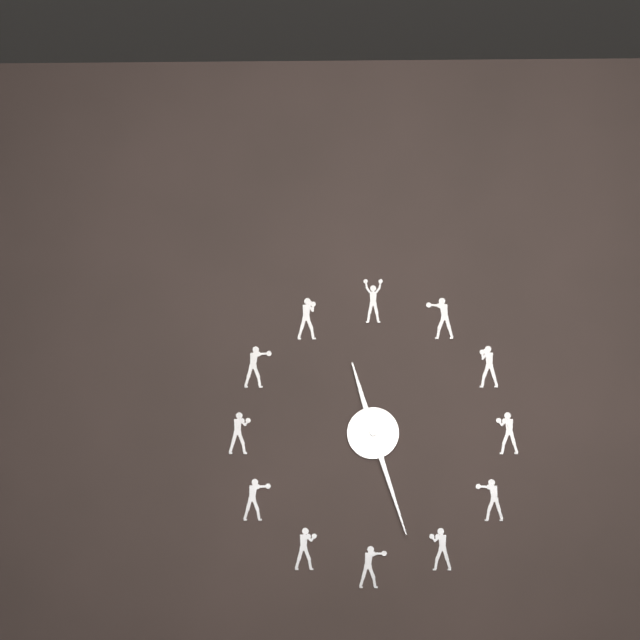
11:27
